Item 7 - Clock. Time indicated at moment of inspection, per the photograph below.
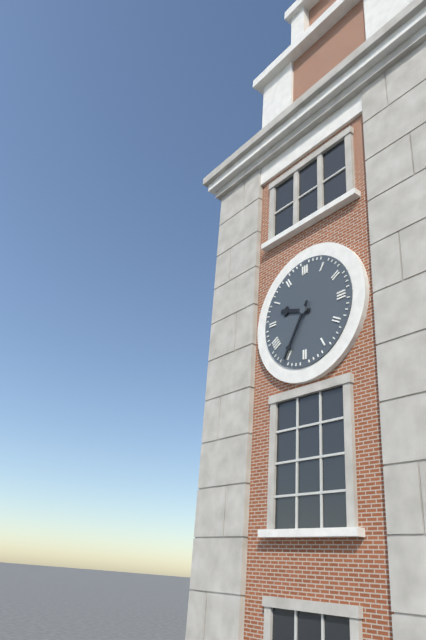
9:35
